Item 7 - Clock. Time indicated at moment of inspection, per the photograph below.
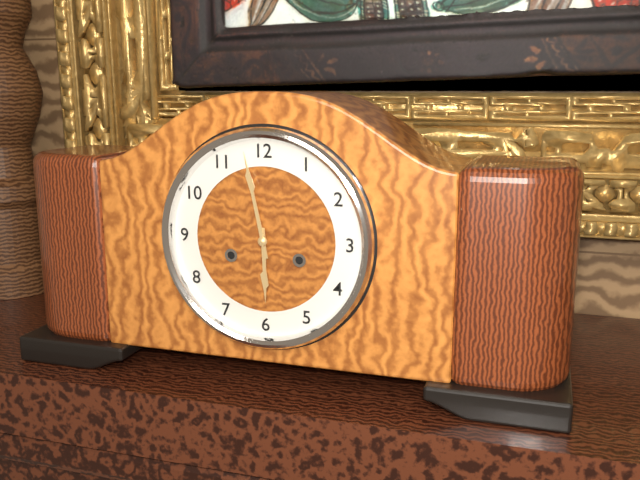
5:58
